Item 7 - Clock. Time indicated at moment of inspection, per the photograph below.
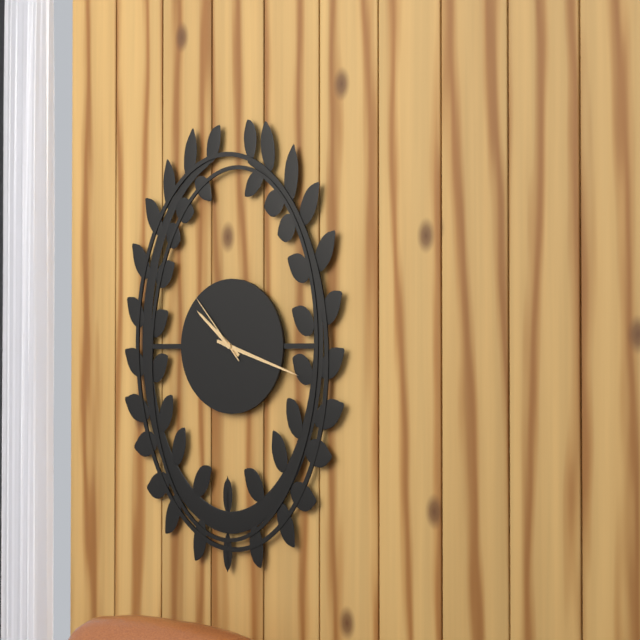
10:18:53
